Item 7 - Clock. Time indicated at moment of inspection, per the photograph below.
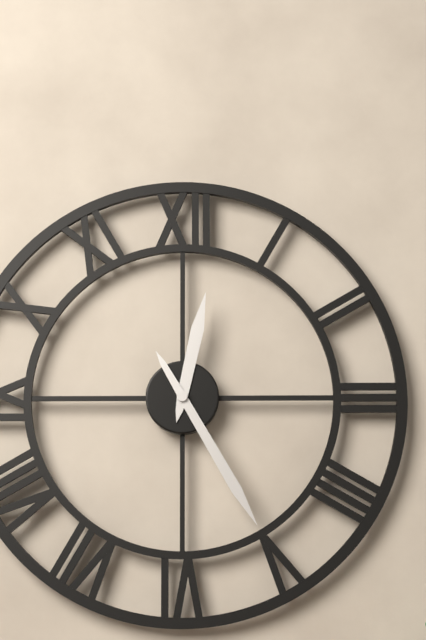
12:25
